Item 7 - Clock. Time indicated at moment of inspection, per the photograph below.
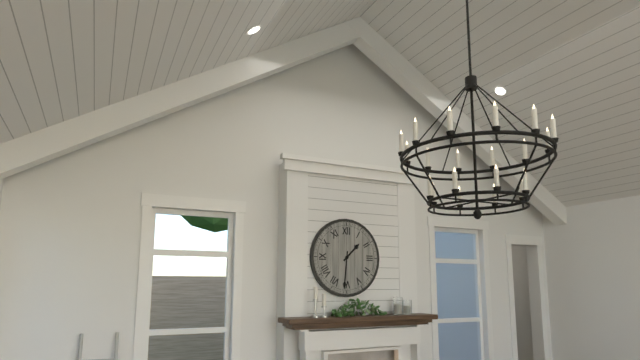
1:31
